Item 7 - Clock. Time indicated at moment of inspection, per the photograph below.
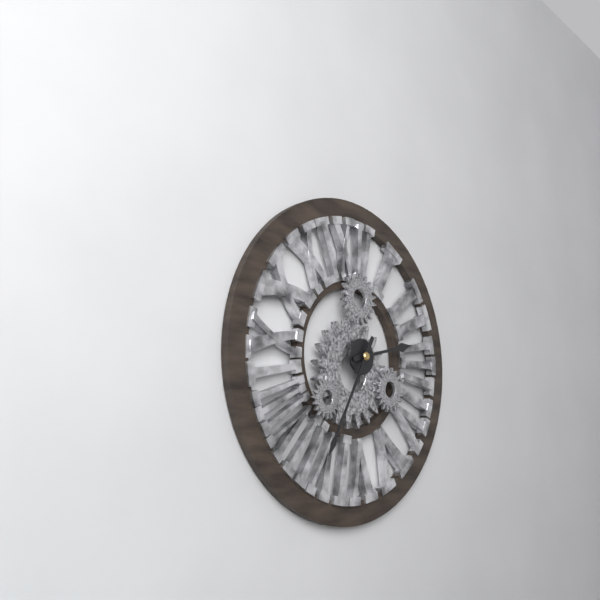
2:35
